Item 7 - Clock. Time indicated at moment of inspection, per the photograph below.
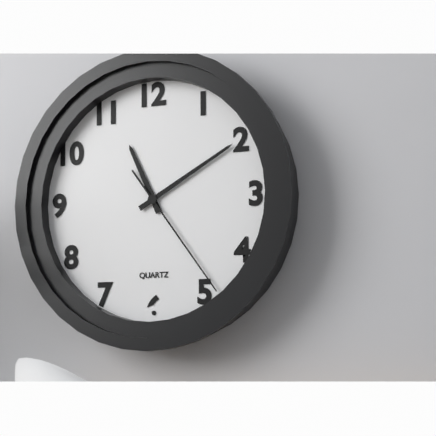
11:10:24
